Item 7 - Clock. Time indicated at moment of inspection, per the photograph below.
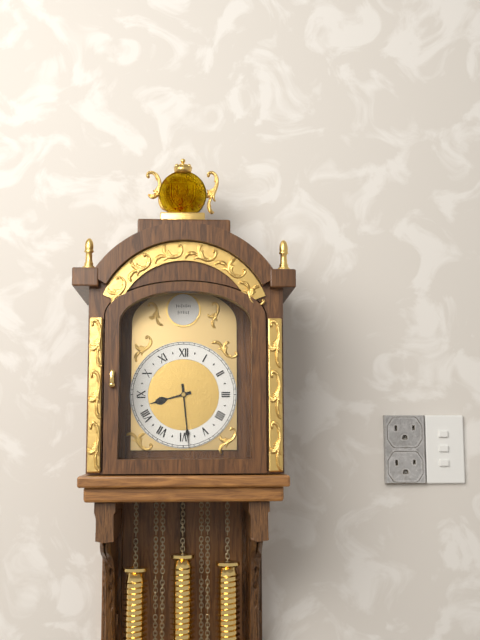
8:29
